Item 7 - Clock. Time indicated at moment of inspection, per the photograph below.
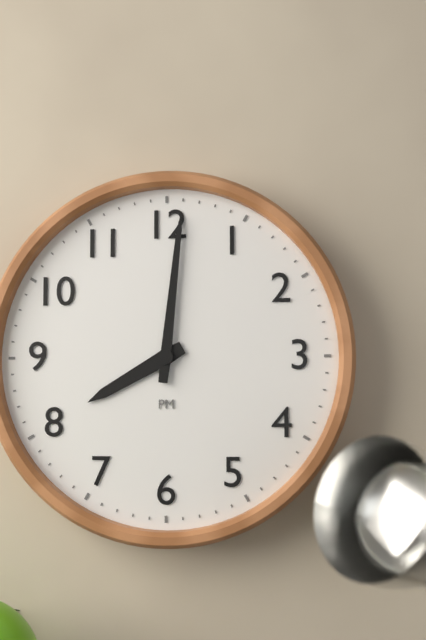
8:01
